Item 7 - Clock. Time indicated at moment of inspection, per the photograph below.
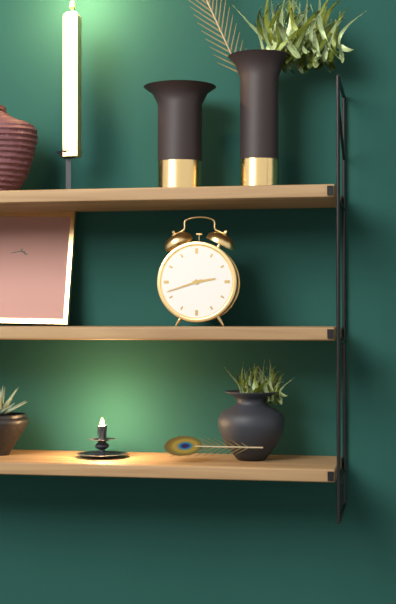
2:42
